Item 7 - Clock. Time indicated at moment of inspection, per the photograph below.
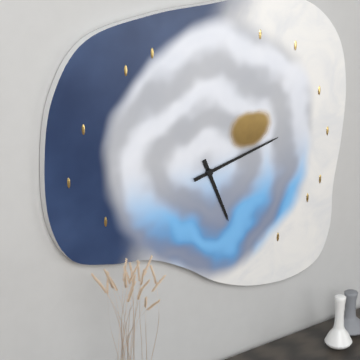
5:13
